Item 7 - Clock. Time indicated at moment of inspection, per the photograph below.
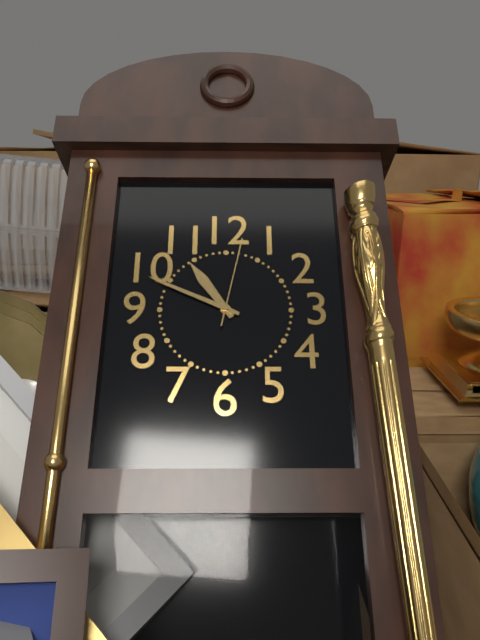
10:49:02
